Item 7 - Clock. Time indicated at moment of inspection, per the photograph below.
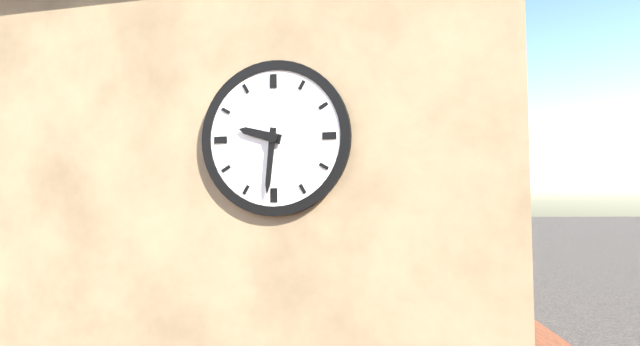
9:31
